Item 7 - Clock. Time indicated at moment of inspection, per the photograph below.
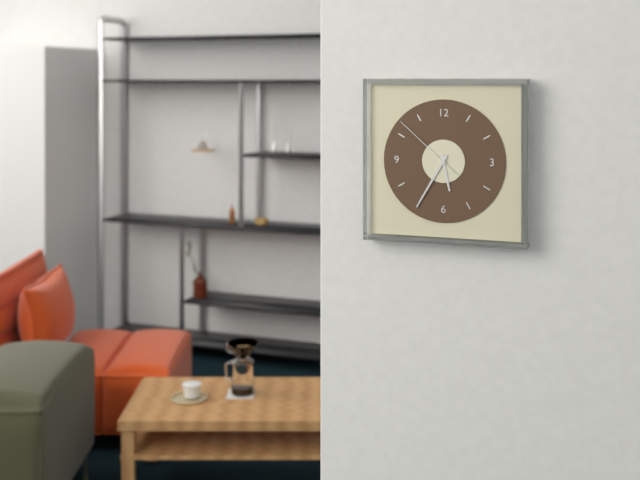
5:35:52
